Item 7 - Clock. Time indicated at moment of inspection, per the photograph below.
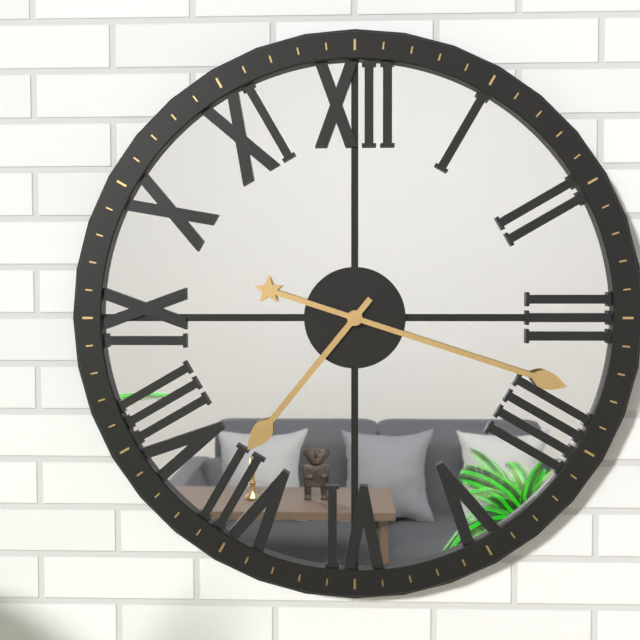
7:18
